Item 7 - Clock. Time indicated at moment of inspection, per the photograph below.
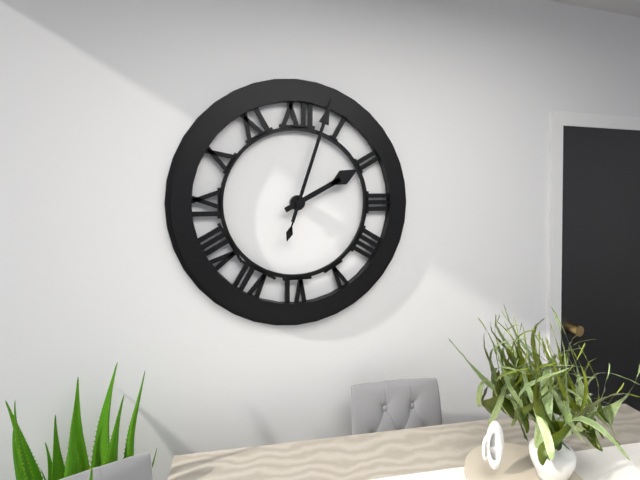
2:03:03
